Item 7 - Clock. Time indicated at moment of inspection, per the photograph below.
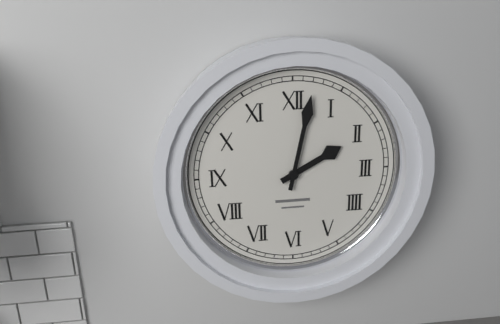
2:02
